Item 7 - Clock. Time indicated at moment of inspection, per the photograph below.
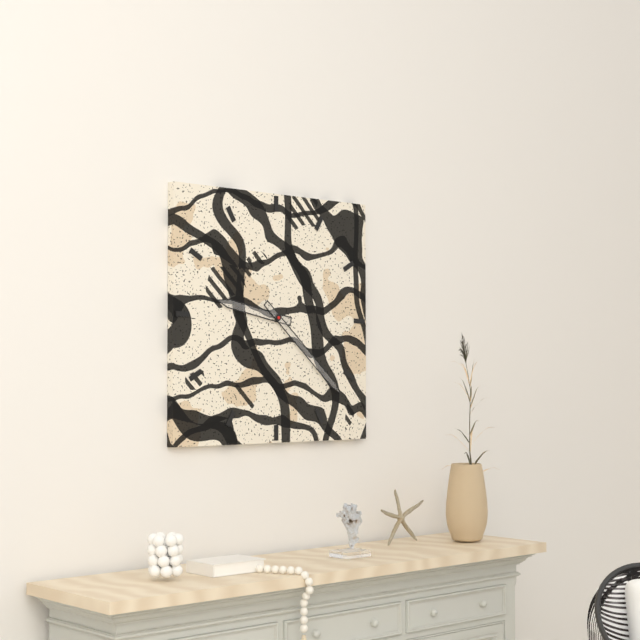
9:22
